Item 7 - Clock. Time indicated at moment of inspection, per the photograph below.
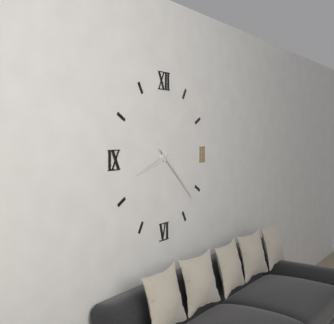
8:22
